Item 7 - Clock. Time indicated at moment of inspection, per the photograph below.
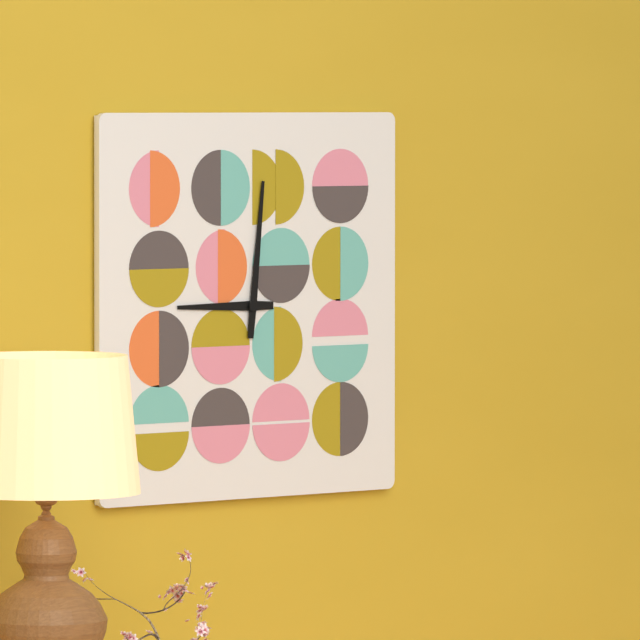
9:01
